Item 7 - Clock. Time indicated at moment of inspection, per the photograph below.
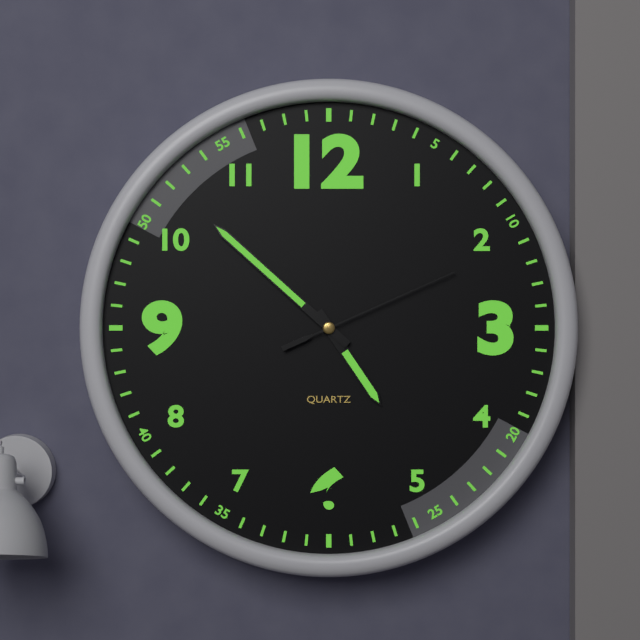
4:52:11
